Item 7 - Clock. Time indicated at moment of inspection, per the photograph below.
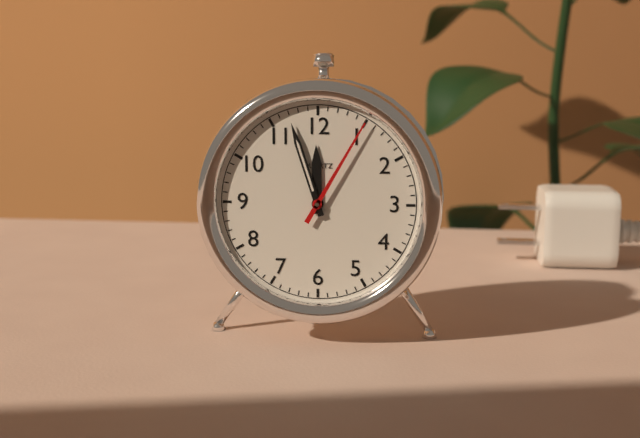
11:57:05
